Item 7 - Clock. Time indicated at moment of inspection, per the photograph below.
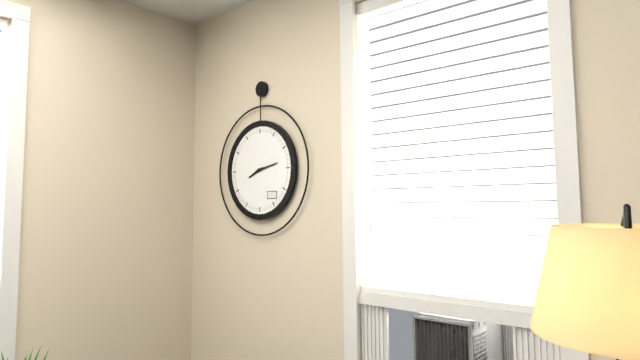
8:13
